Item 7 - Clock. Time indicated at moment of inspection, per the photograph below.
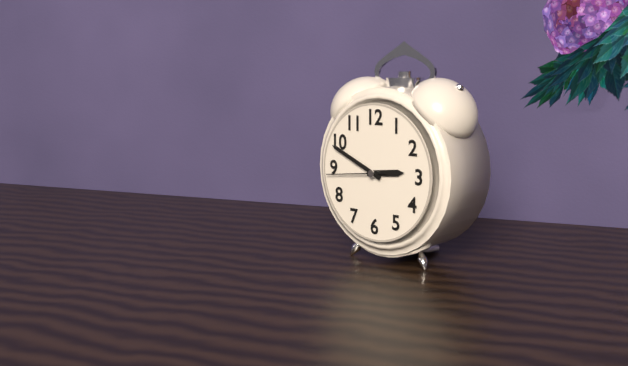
2:49:44
